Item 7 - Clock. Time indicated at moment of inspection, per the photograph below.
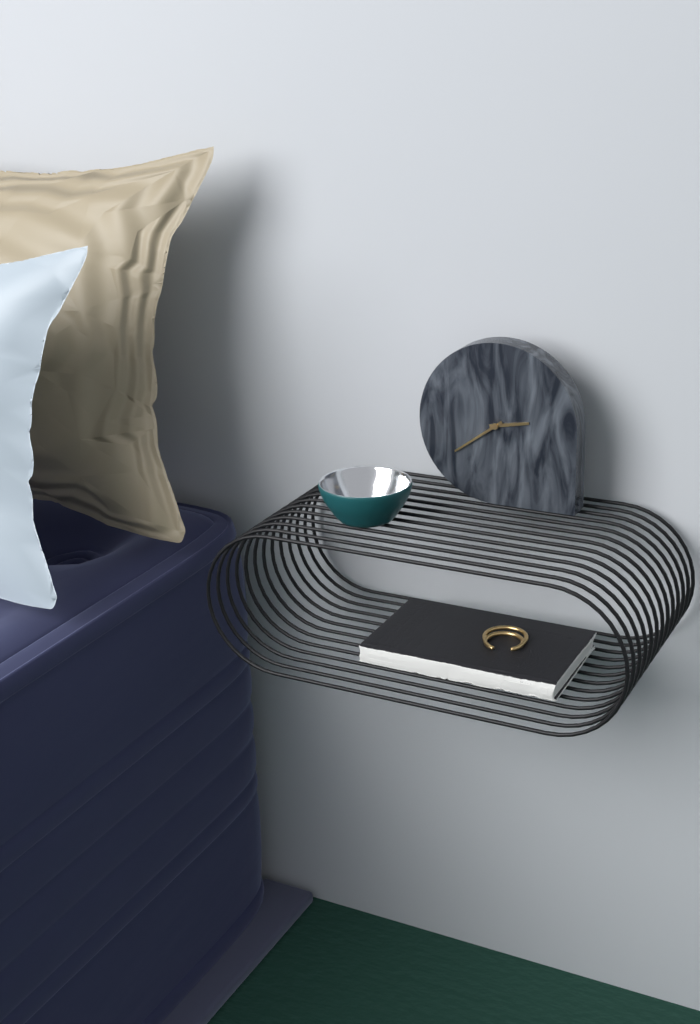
2:39
